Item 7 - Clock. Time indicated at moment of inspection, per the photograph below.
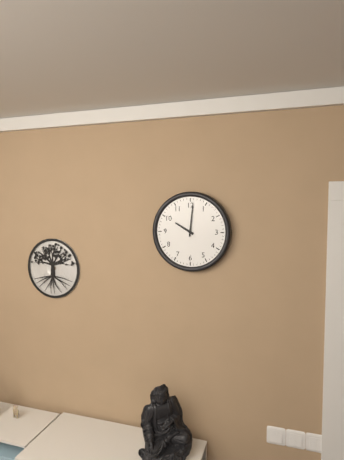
10:01
